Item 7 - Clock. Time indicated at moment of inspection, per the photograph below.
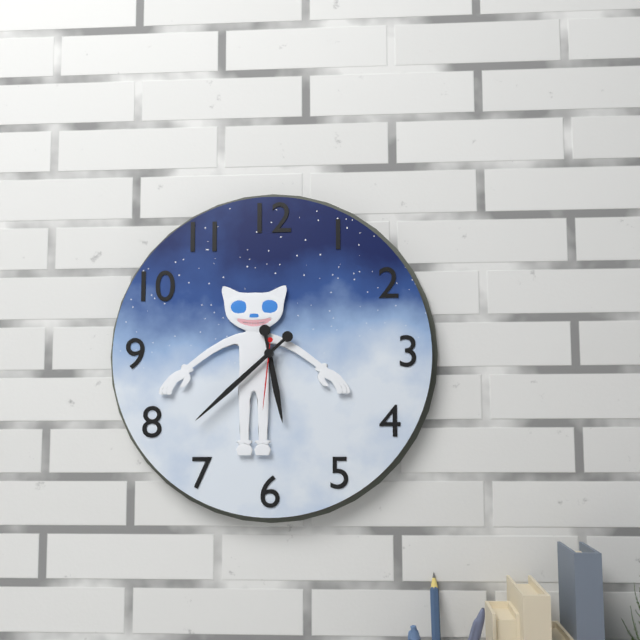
5:38:31
